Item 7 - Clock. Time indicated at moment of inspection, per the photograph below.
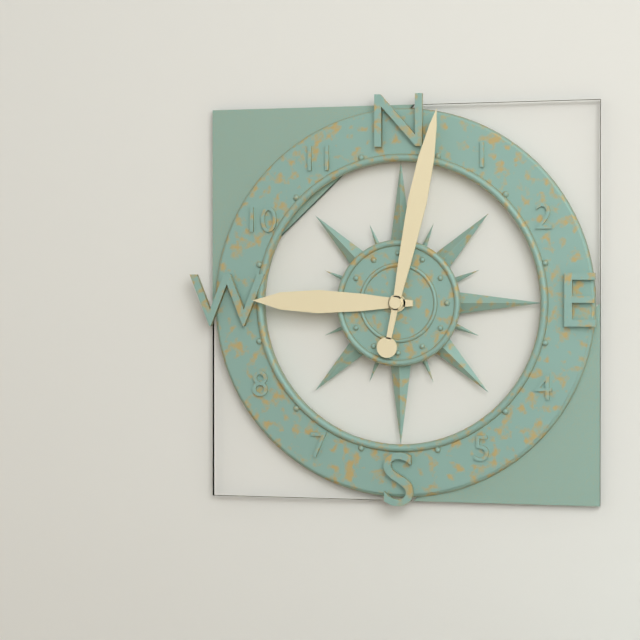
9:02
